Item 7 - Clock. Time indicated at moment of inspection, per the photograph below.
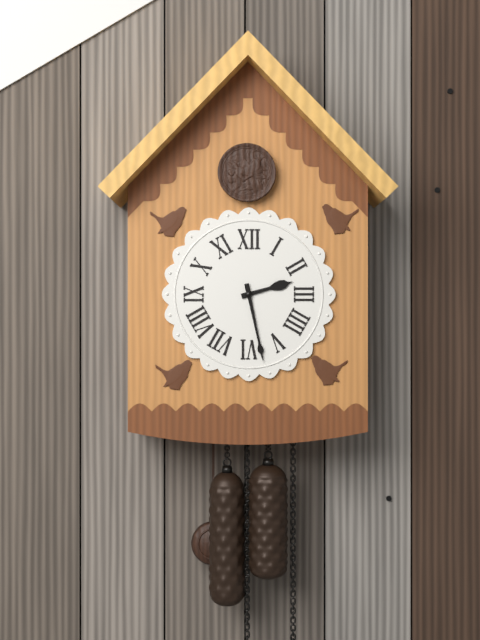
2:28
